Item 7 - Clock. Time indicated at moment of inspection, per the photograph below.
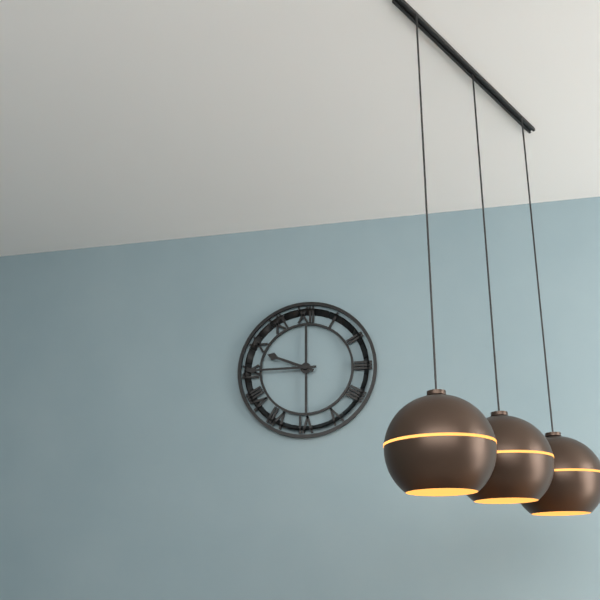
9:45
